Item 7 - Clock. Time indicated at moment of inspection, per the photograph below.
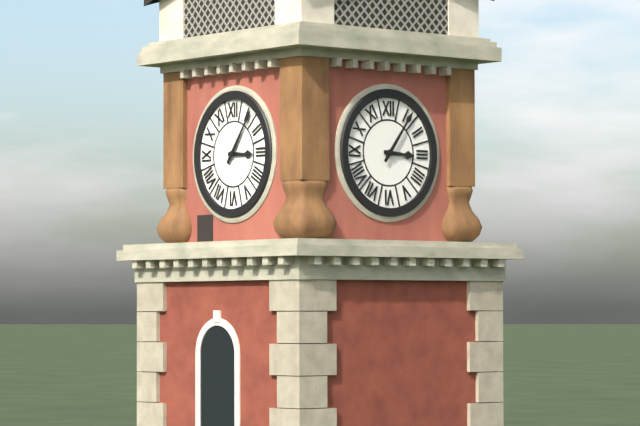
3:06
